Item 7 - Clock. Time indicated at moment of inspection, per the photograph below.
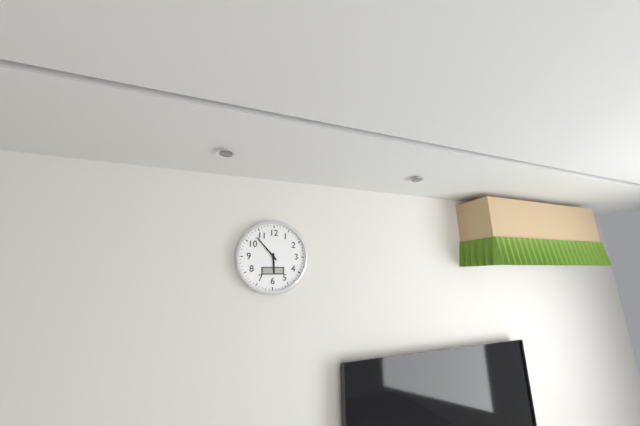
5:53
